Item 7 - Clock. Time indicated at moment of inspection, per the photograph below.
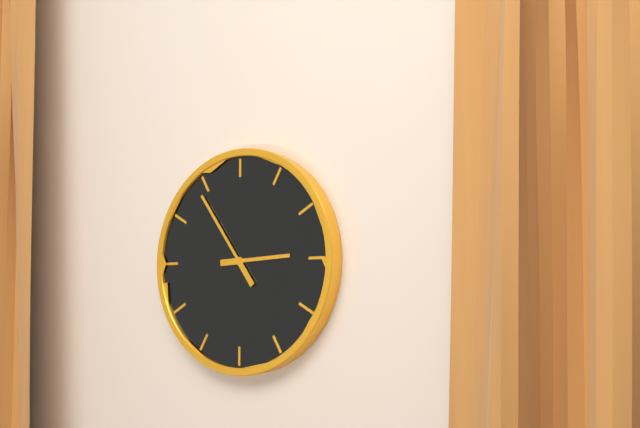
2:54
